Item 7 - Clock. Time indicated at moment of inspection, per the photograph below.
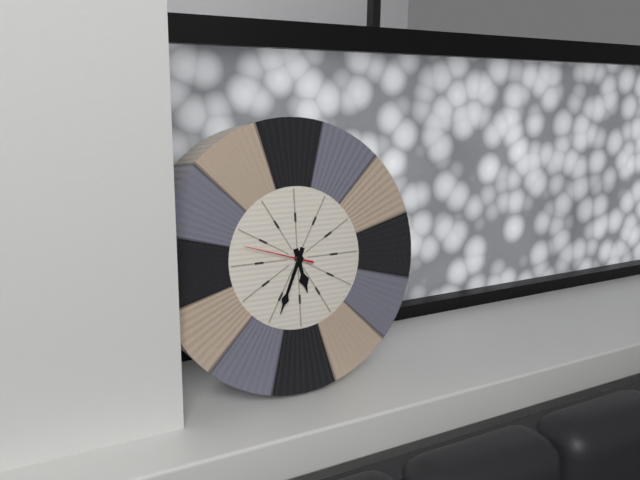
5:34
